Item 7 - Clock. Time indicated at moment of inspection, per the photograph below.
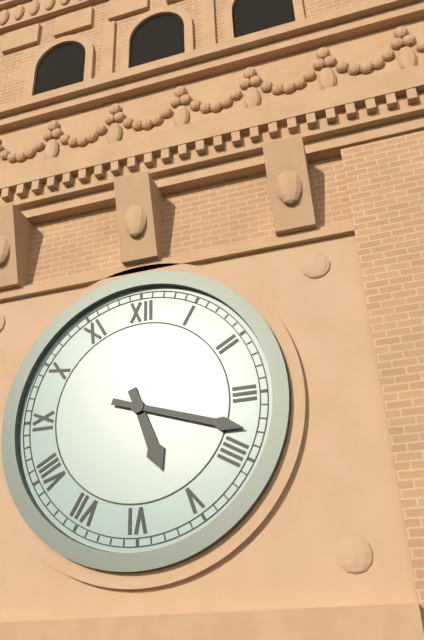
5:18
